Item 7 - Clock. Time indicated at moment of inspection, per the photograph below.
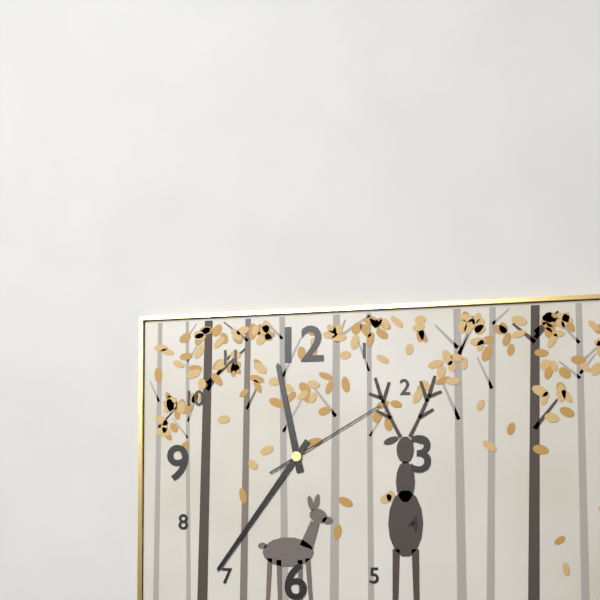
11:36:10
